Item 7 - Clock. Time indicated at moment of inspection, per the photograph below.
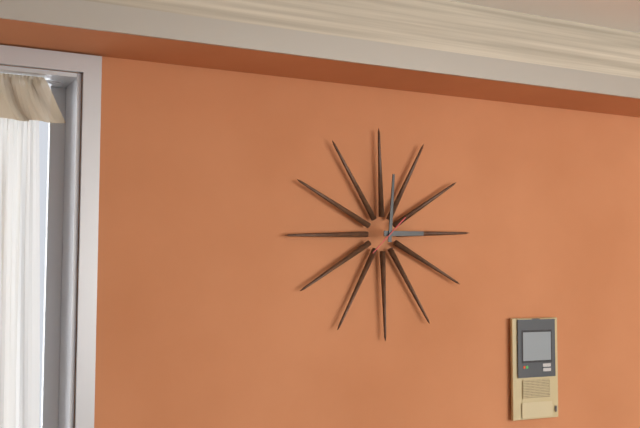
3:01
